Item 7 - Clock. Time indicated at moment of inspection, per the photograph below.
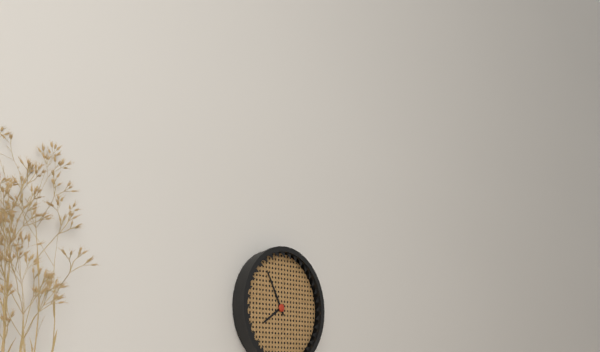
7:55
